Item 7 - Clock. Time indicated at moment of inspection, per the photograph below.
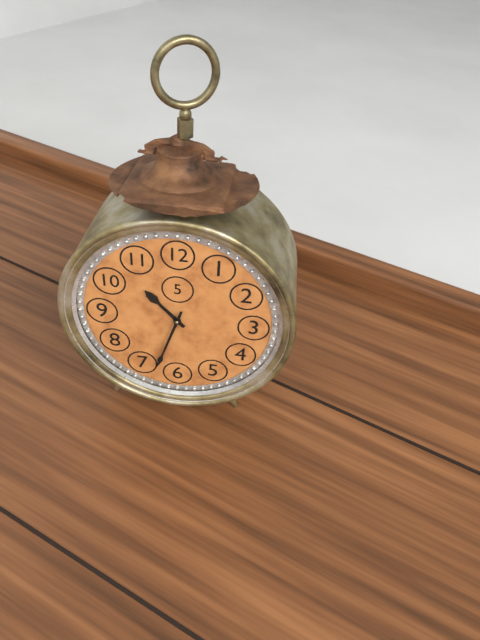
10:33
